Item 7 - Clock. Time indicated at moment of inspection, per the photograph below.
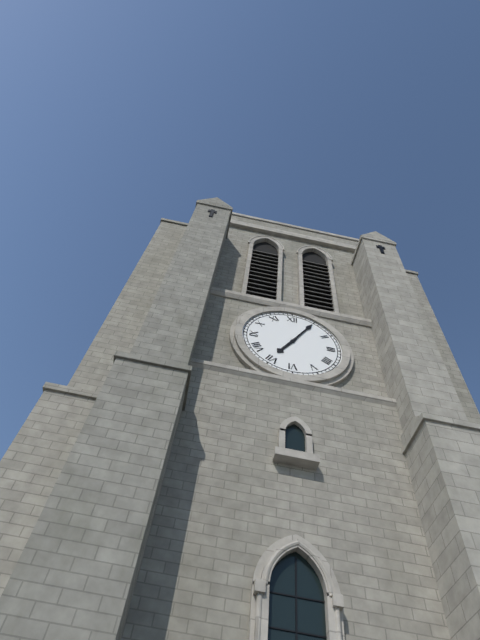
7:05
